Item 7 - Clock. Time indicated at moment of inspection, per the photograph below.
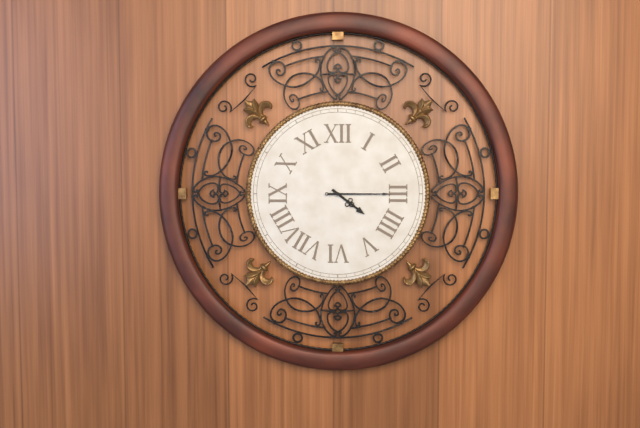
4:15
